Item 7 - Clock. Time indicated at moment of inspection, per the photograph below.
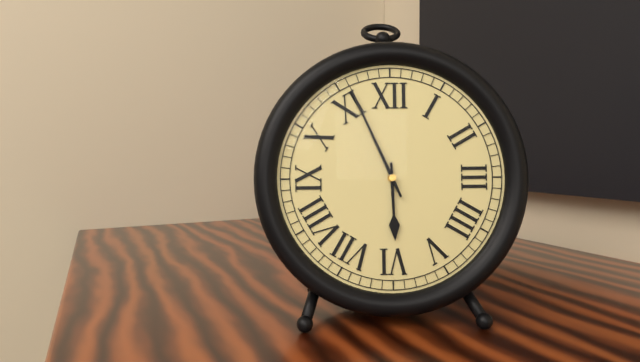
5:56
